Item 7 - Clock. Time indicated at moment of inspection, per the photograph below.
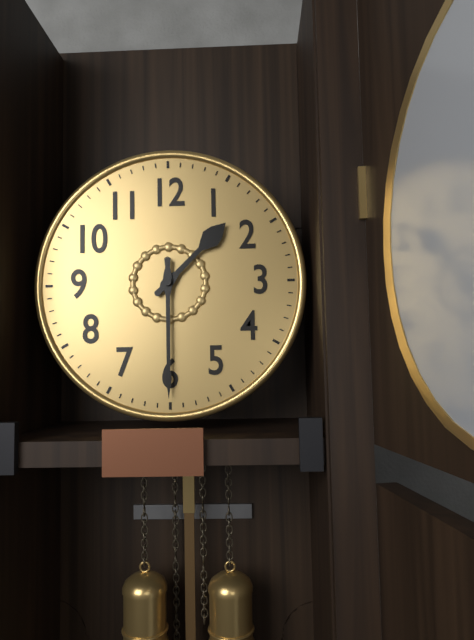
1:30
